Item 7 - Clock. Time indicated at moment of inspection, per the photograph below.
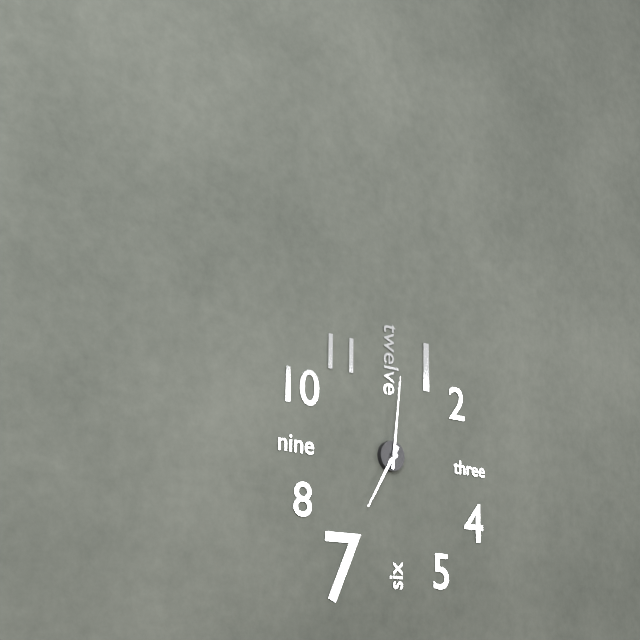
7:01
